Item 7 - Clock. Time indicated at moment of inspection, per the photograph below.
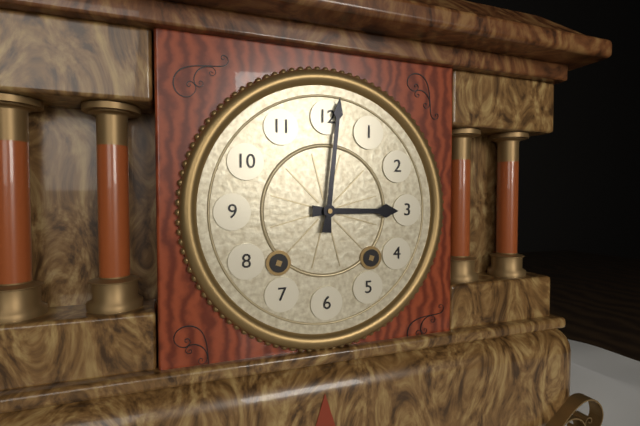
3:01
